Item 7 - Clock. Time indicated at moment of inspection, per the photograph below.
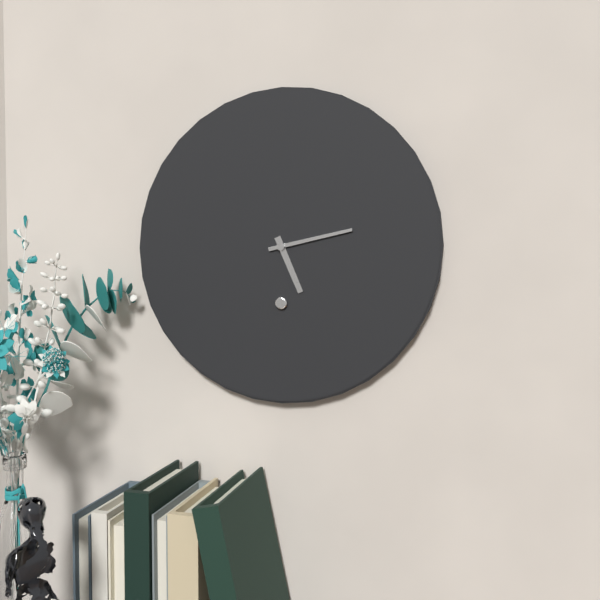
5:13
